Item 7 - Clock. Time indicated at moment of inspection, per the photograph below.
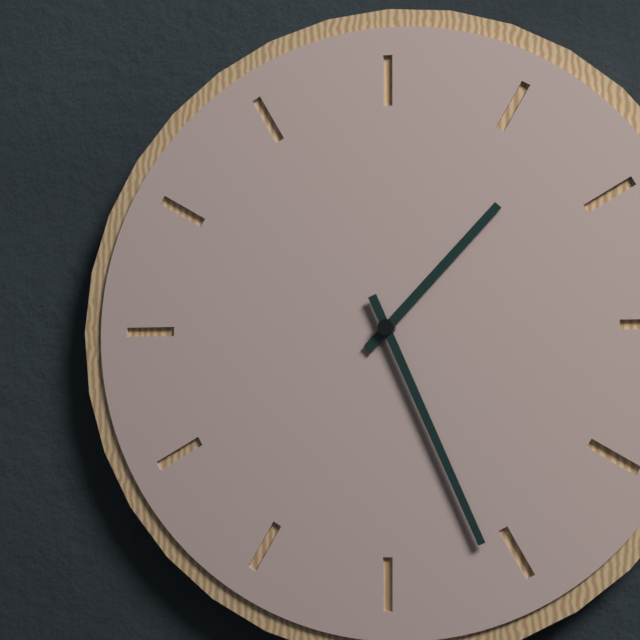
1:26
